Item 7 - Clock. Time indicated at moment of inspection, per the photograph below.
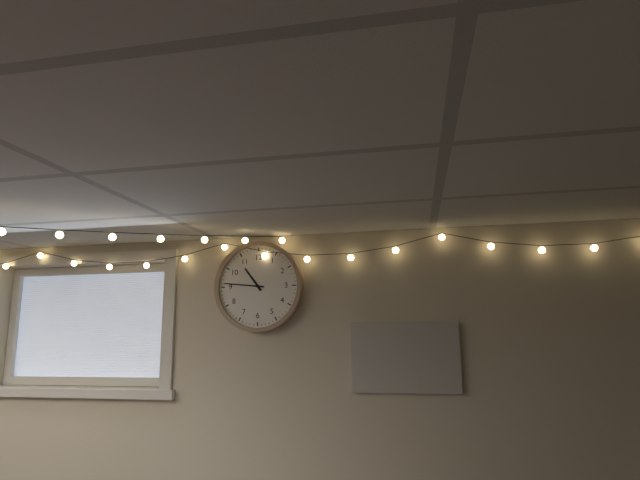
10:46
